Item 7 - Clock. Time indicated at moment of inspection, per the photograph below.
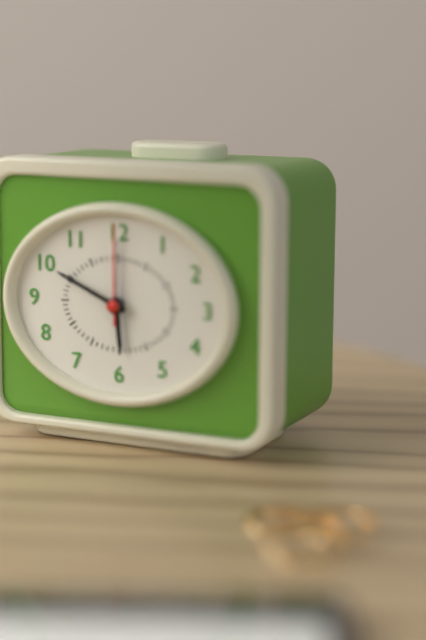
5:49:00
